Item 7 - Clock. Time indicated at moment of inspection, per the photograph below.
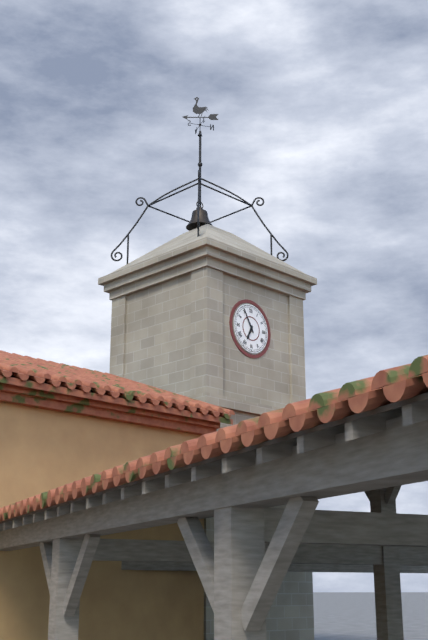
6:55
